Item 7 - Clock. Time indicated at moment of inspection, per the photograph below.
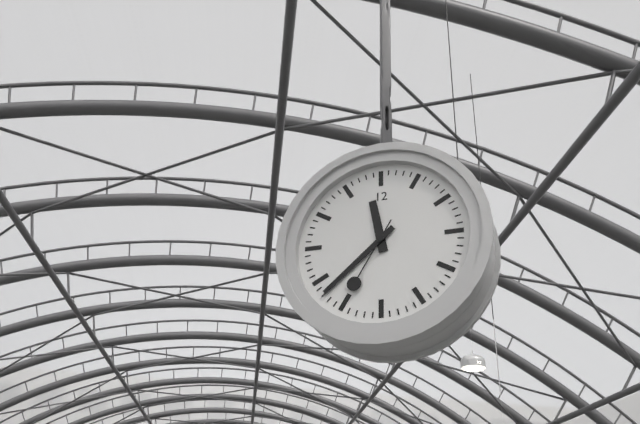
11:38:35
